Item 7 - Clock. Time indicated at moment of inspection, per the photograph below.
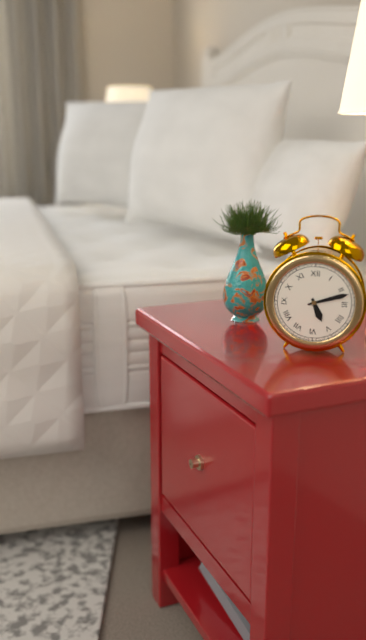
5:12
